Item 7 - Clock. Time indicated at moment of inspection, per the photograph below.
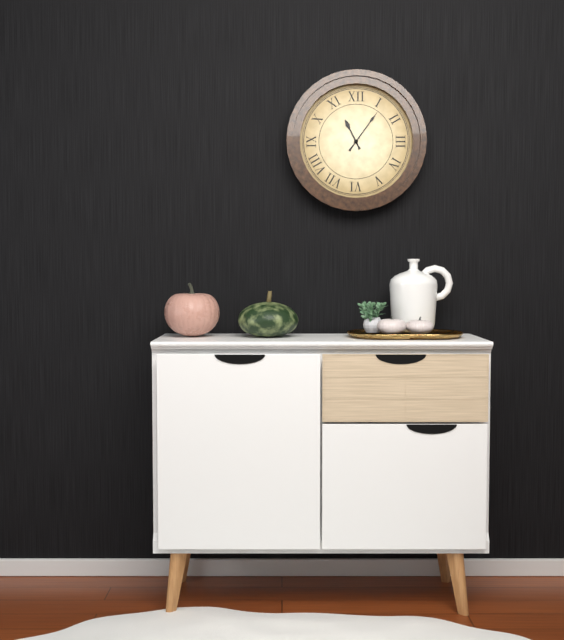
11:06
